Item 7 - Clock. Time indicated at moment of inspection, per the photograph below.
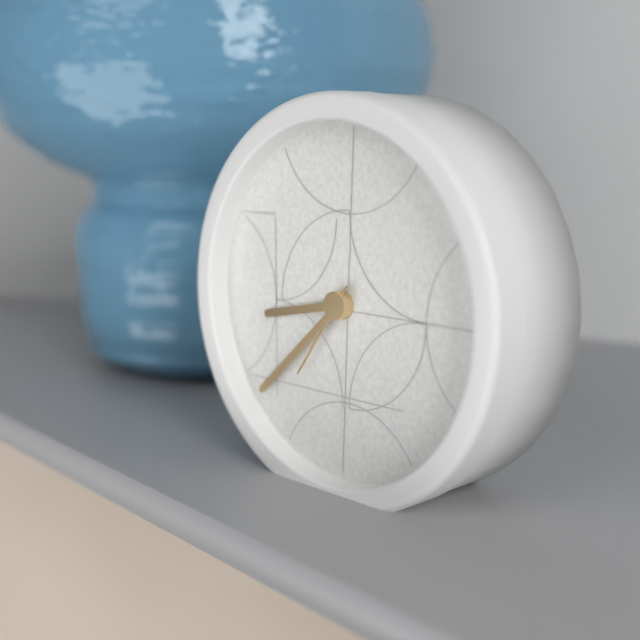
8:38:36
